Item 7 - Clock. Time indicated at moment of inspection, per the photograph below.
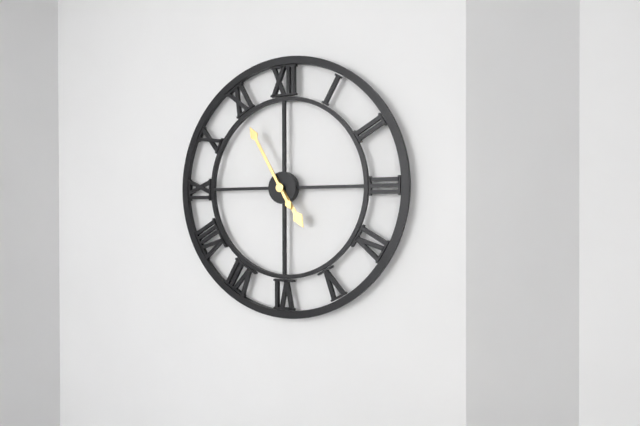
4:55
